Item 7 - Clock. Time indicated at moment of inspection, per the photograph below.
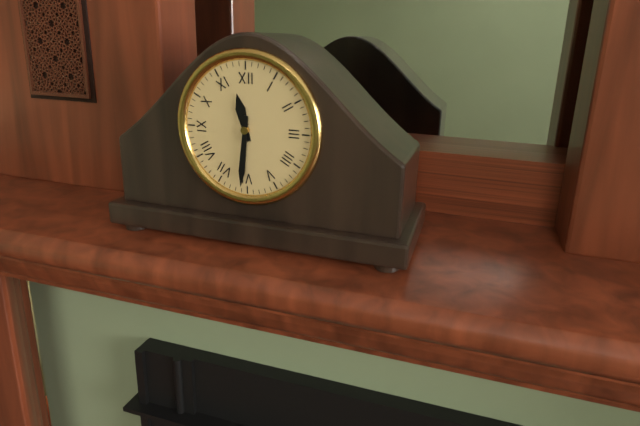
11:31
